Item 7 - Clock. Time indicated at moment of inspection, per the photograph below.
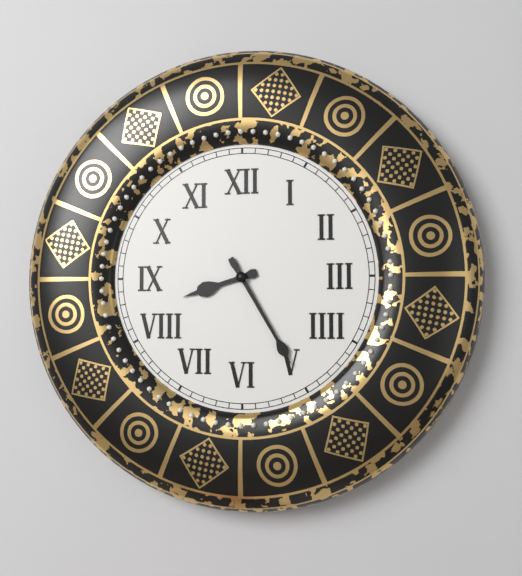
8:25
